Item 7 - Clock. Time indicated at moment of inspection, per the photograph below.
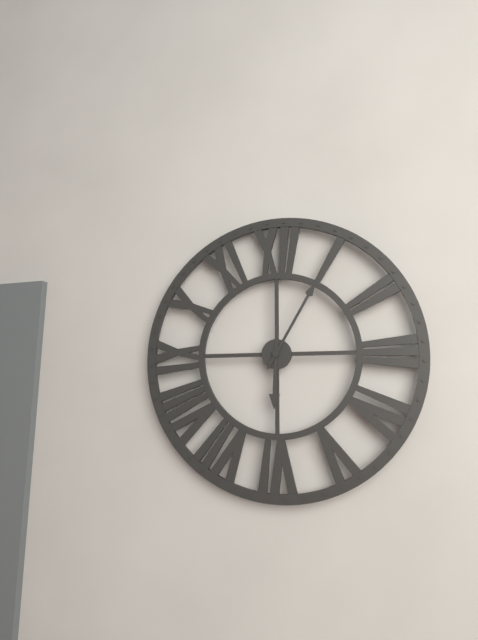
6:05
